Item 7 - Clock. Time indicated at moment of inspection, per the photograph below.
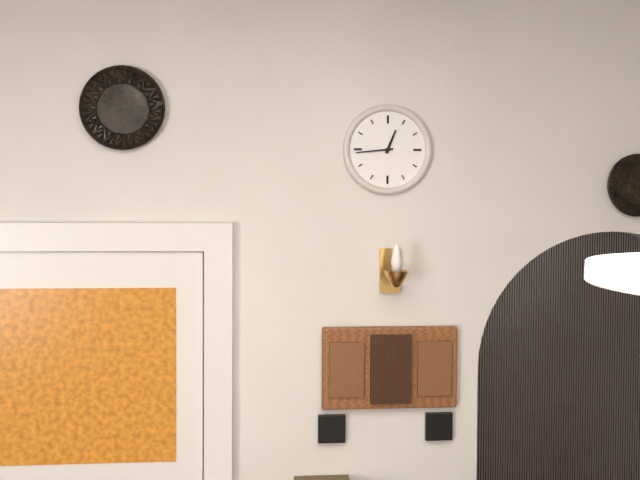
12:44
